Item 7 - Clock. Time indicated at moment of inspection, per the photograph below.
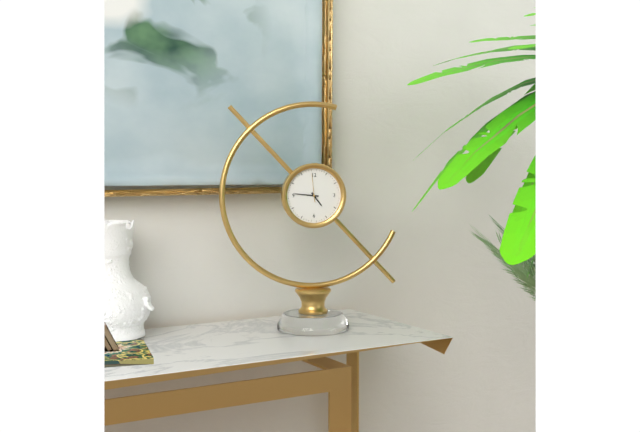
4:46
